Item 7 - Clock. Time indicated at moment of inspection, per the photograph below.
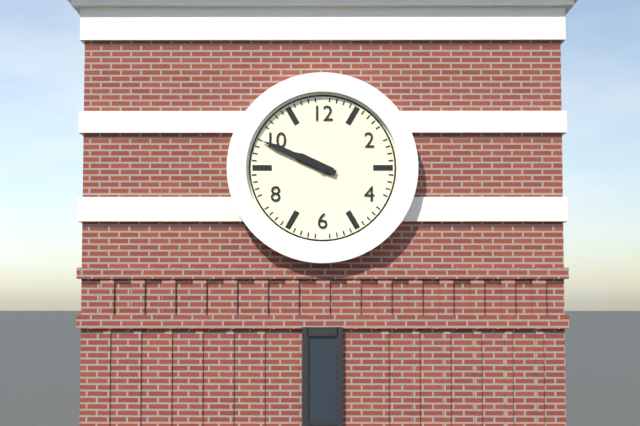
9:49
